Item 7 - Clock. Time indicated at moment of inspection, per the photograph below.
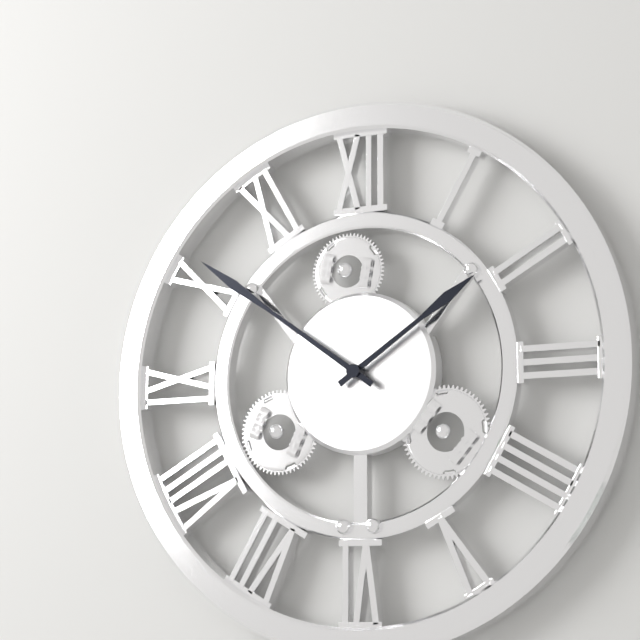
1:51
